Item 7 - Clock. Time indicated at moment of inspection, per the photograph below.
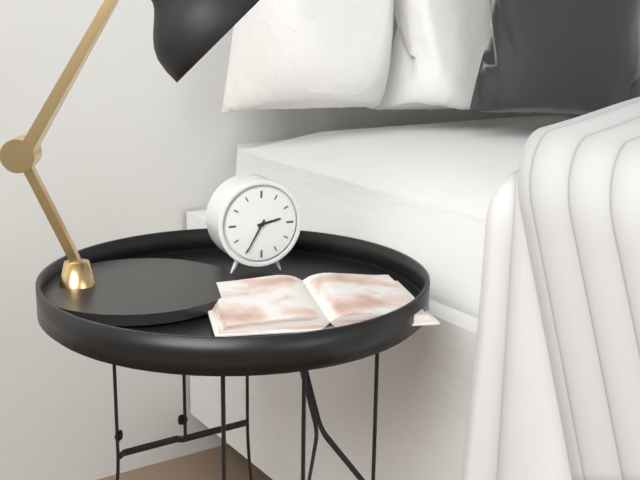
2:35
